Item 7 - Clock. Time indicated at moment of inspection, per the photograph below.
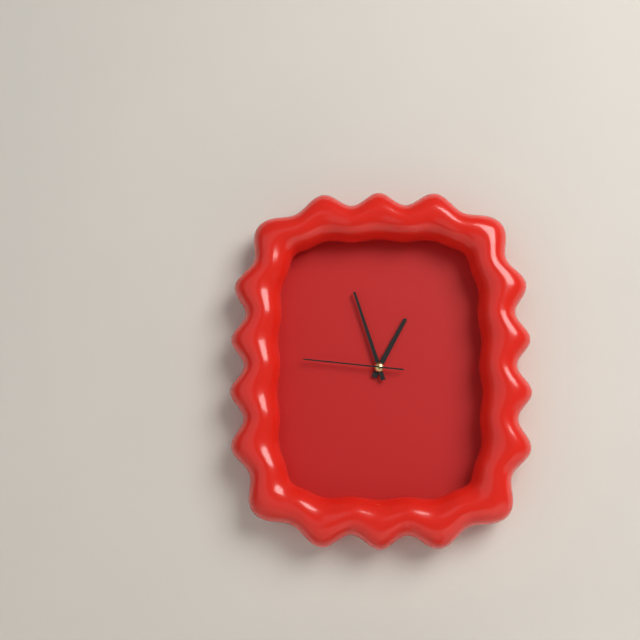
12:57:46
